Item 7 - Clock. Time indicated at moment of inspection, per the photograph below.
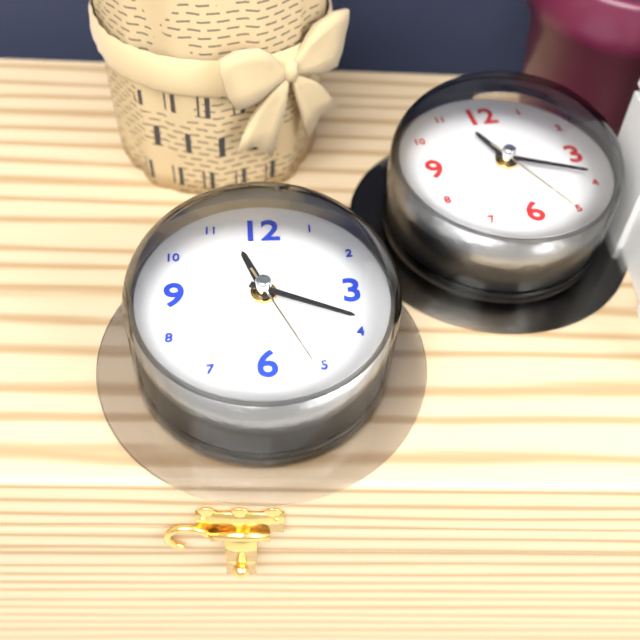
11:19:26
